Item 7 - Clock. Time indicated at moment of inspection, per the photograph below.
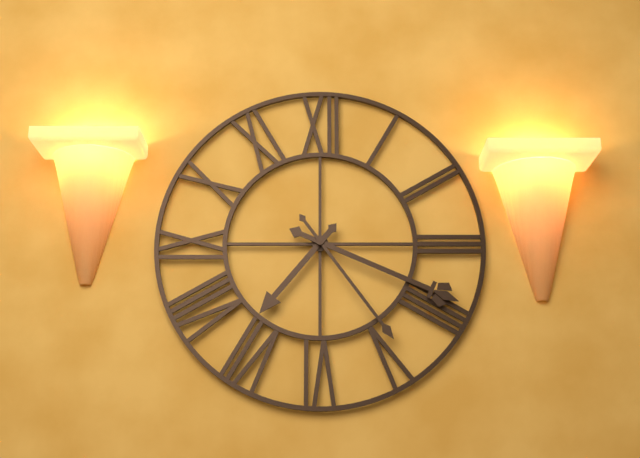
7:19:24
